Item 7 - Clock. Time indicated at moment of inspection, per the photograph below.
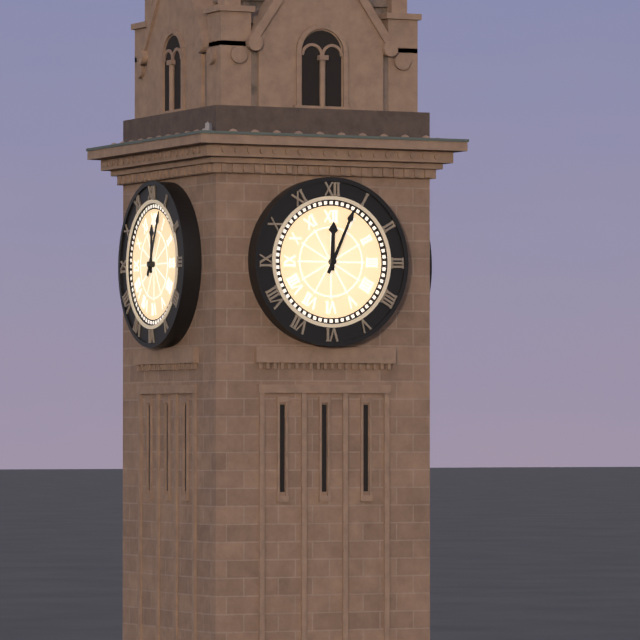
12:04
